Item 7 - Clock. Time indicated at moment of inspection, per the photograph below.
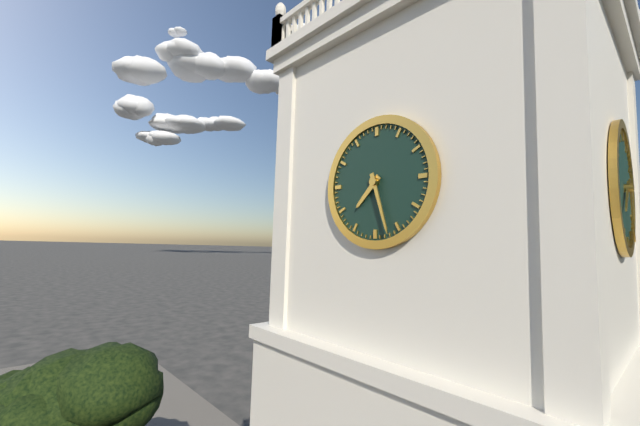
7:27
